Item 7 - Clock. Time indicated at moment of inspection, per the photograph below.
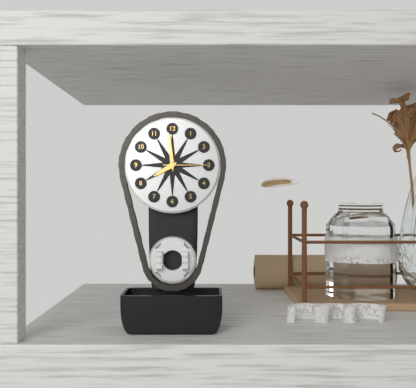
7:59
